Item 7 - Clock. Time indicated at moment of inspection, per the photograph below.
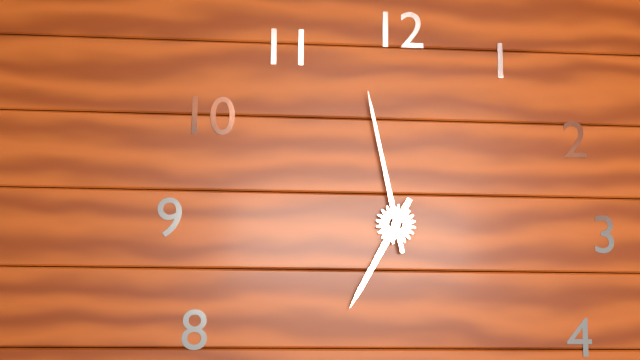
6:58
